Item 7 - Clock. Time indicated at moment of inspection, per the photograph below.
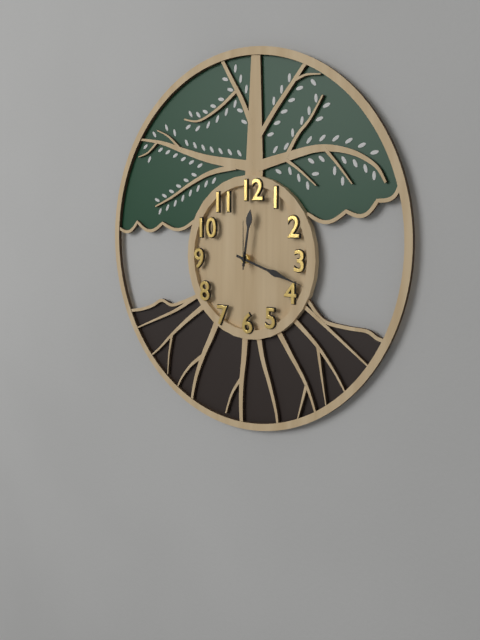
12:18
